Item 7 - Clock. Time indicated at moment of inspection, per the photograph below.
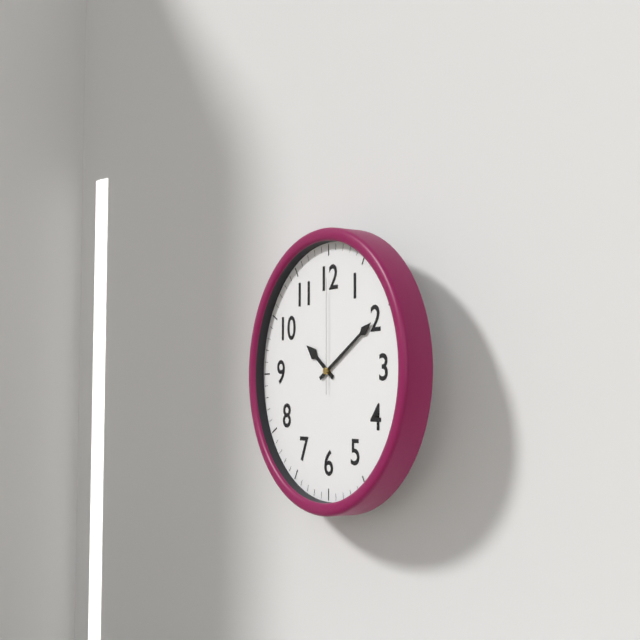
10:10:00
